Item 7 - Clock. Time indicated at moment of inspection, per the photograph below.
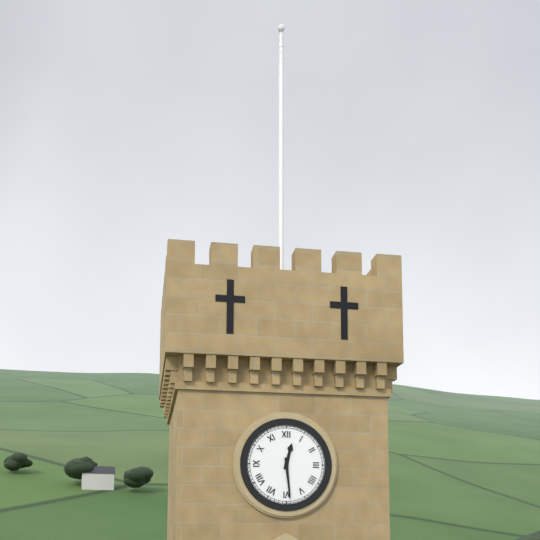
12:29
